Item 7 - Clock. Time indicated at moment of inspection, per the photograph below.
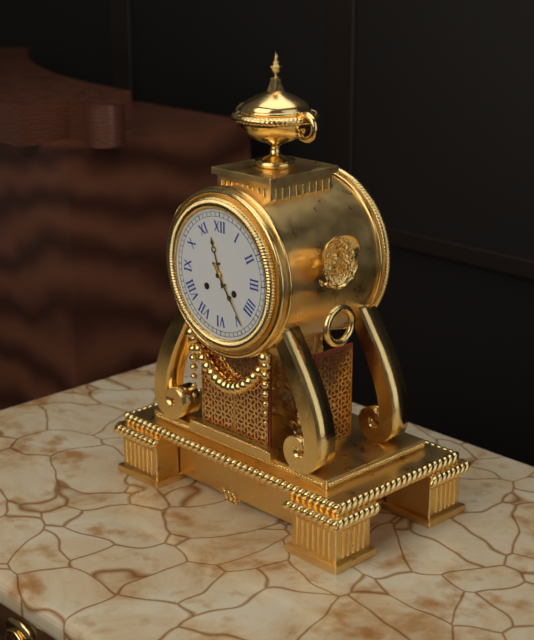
11:24
